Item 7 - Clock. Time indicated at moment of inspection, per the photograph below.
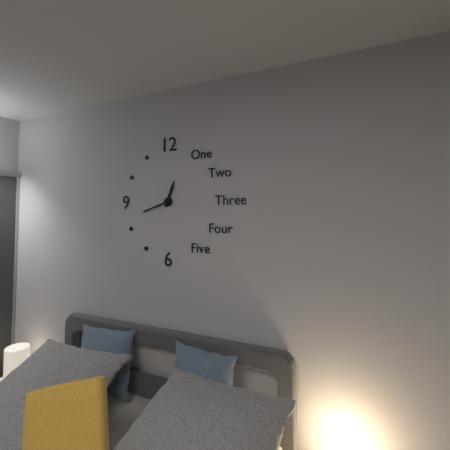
12:42
